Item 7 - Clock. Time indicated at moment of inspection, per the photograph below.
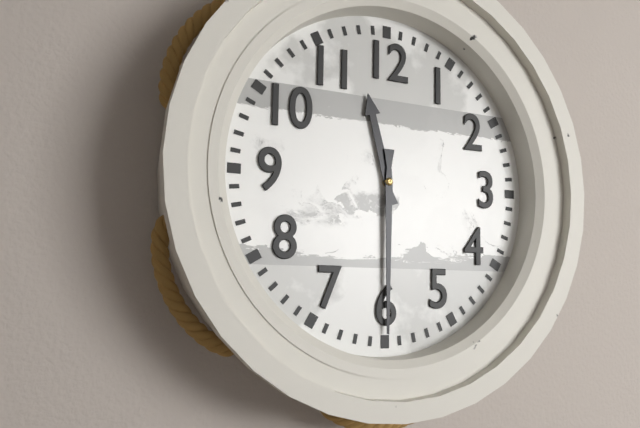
11:30
